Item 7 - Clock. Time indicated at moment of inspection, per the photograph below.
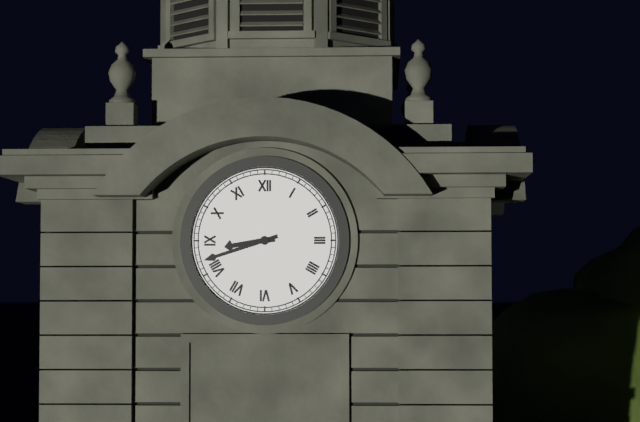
8:42
